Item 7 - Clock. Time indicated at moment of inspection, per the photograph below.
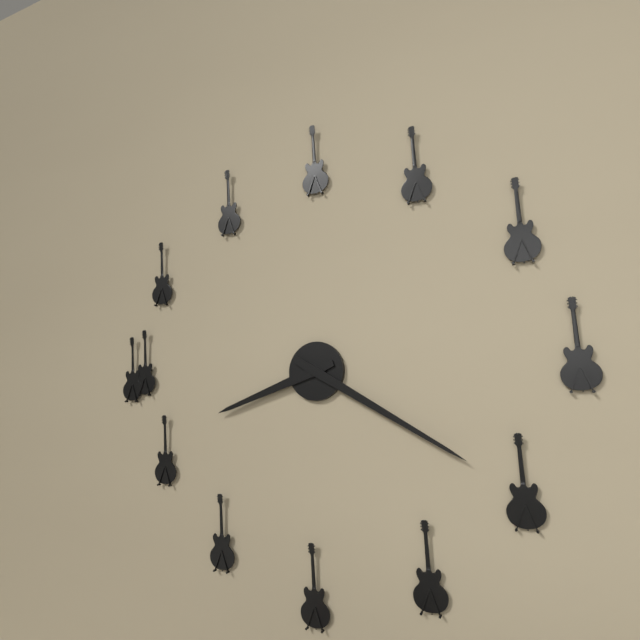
8:20
